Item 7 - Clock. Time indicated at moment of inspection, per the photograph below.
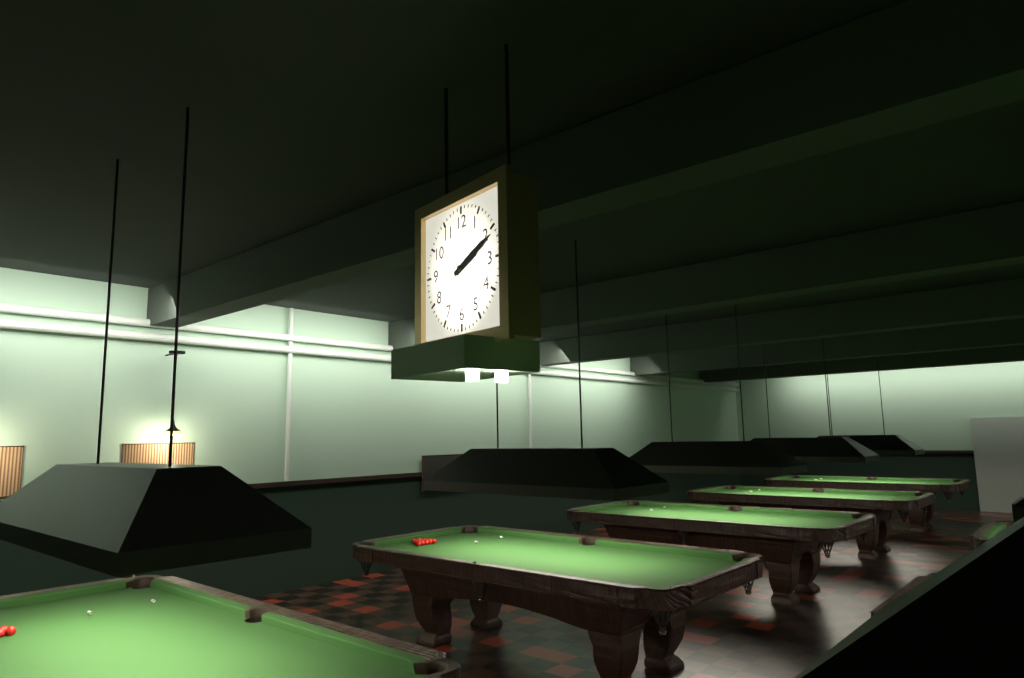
2:11
